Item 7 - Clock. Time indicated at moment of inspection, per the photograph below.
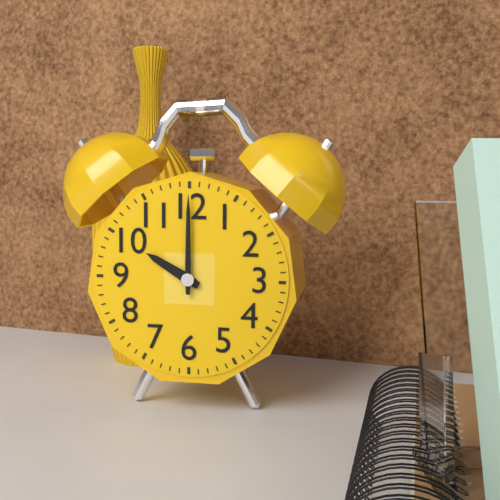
10:00
